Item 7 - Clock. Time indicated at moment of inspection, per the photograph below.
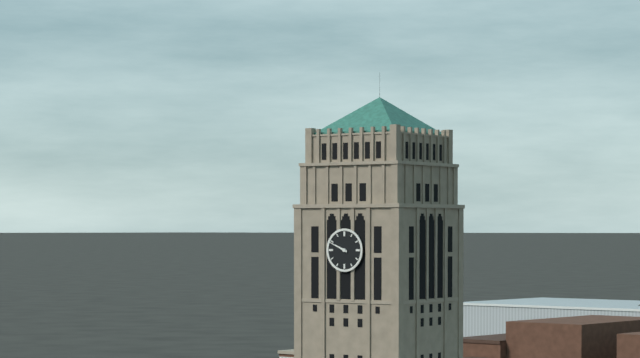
9:49
